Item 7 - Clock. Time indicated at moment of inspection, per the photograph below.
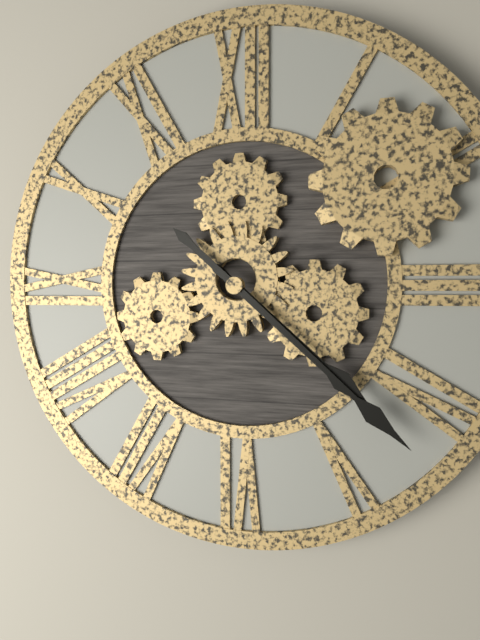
4:22
